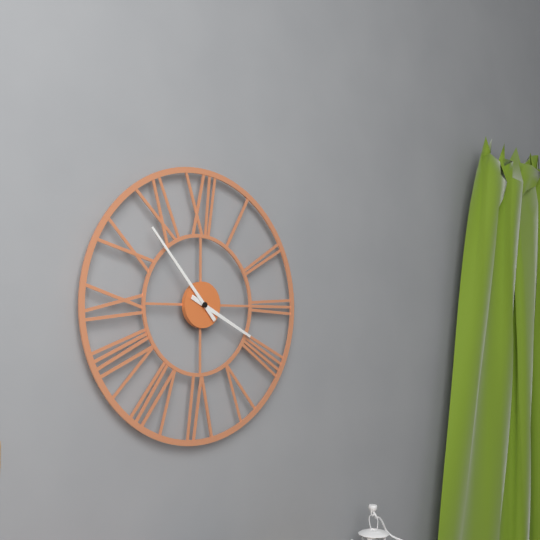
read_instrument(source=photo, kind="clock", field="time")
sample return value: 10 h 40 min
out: 3 h 53 min
